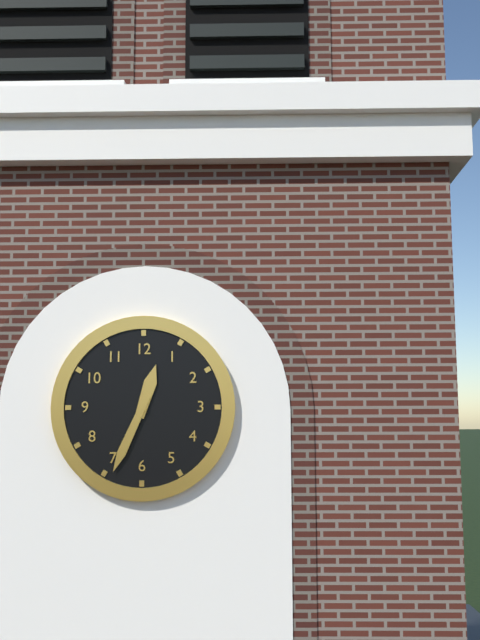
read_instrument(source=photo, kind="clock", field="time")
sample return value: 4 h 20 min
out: 12 h 34 min
